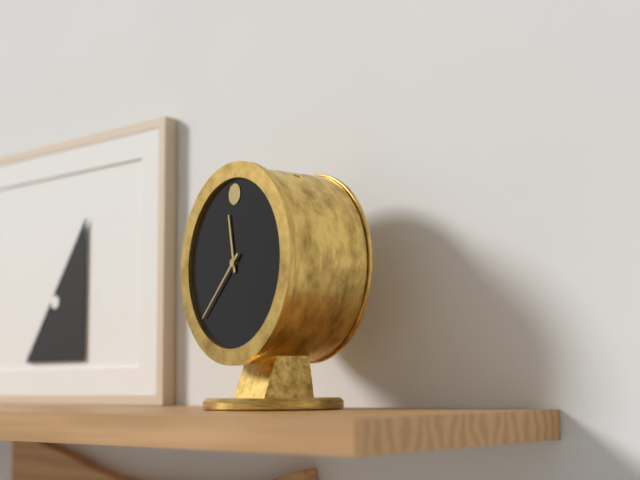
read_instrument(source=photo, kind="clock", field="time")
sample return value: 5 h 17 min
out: 11 h 38 min
